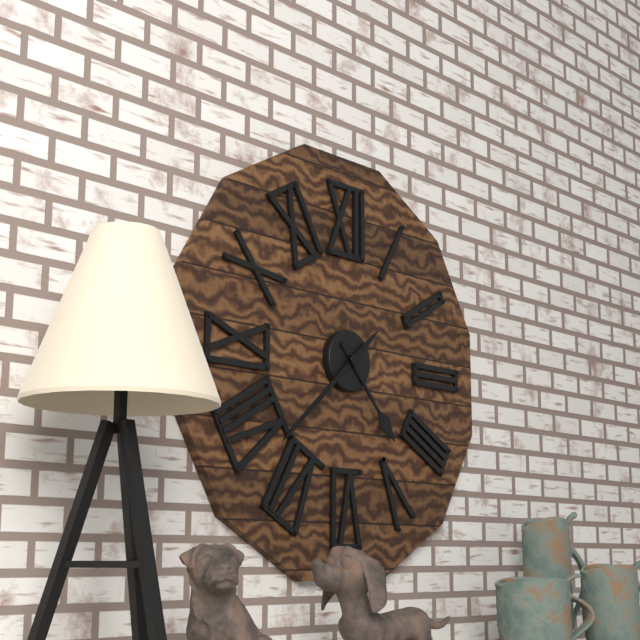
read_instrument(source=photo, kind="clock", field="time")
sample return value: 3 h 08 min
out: 4 h 38 min
